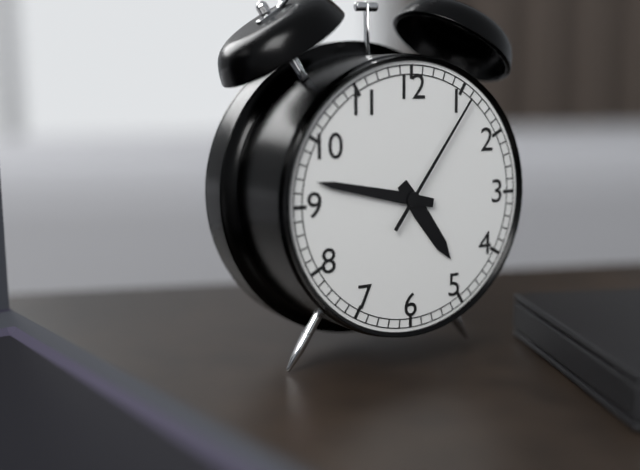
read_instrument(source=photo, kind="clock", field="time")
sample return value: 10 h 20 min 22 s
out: 4 h 47 min 06 s
